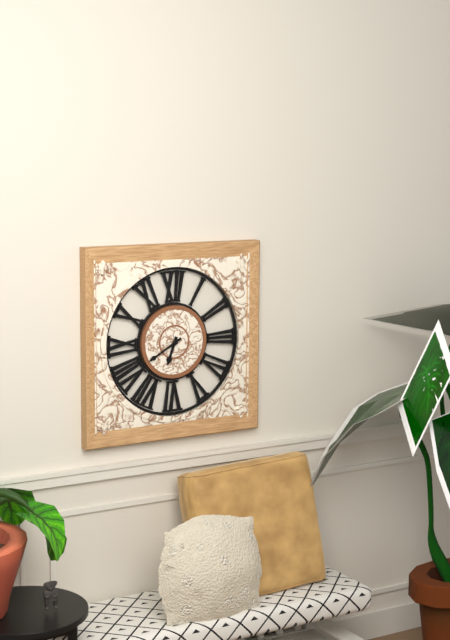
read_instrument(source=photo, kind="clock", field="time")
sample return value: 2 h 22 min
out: 6 h 40 min
